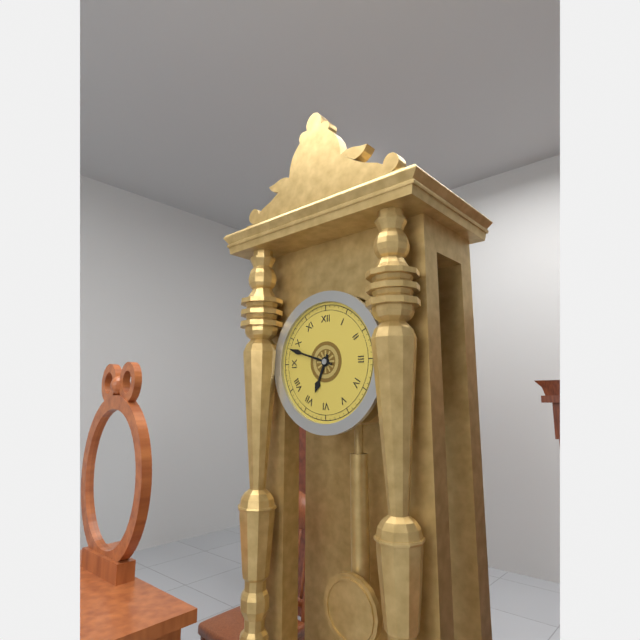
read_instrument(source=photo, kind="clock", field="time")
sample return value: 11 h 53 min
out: 6 h 48 min
